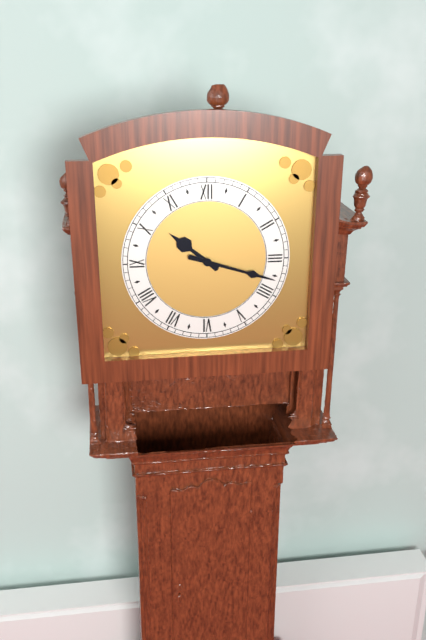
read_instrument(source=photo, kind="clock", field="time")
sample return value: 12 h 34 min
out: 10 h 18 min
